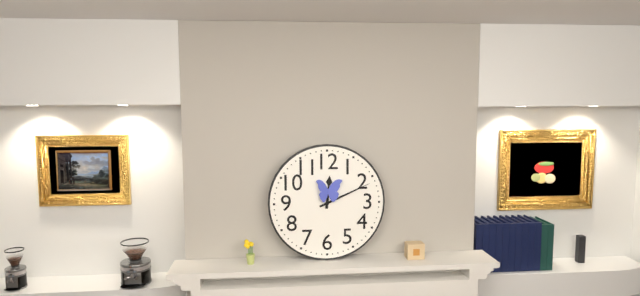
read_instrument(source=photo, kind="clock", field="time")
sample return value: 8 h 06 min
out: 12 h 11 min
